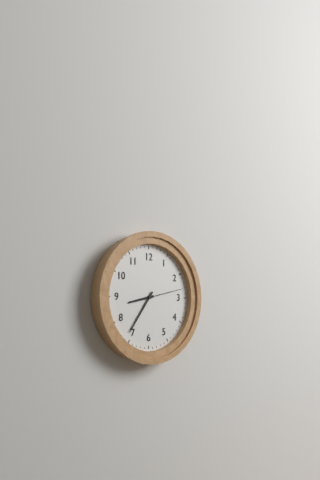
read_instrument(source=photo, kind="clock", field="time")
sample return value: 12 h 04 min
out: 8 h 36 min
